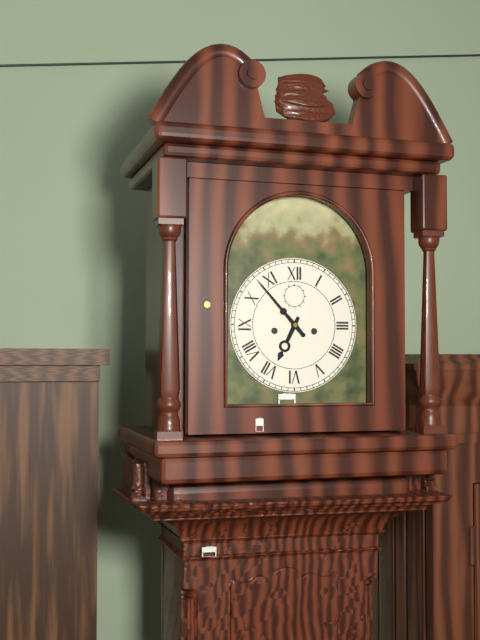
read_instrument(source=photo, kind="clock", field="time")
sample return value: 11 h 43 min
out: 6 h 53 min
